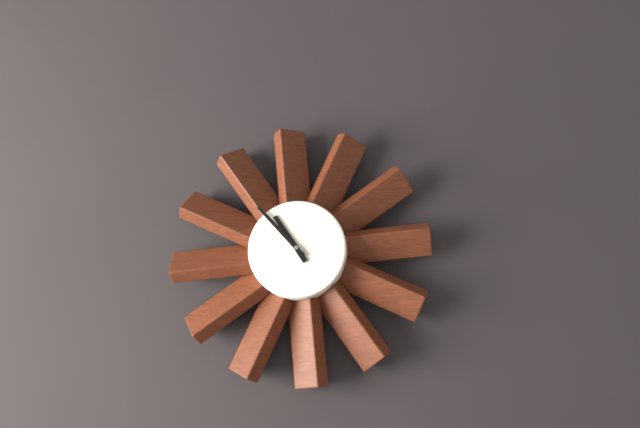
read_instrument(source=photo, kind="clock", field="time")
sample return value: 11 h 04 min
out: 10 h 53 min
